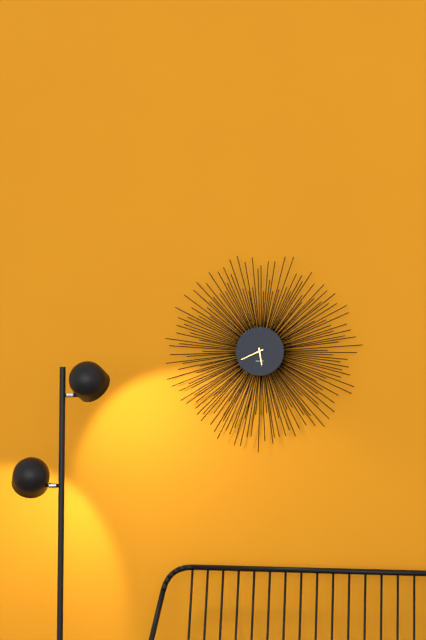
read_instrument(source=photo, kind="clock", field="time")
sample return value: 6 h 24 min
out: 5 h 41 min
